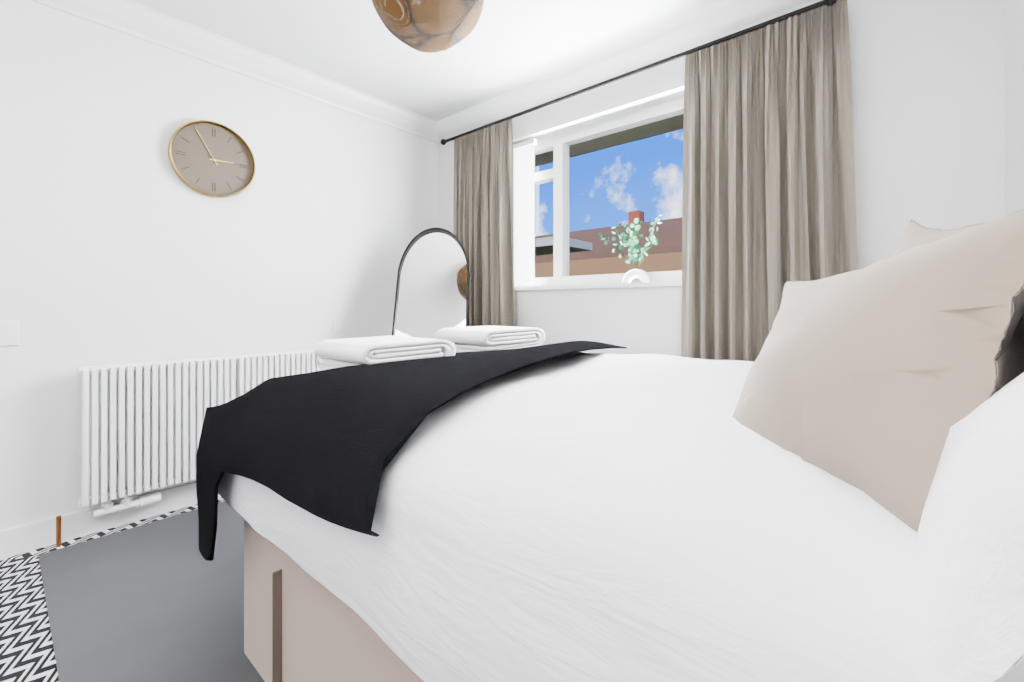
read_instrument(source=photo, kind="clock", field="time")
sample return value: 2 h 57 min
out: 2 h 55 min
